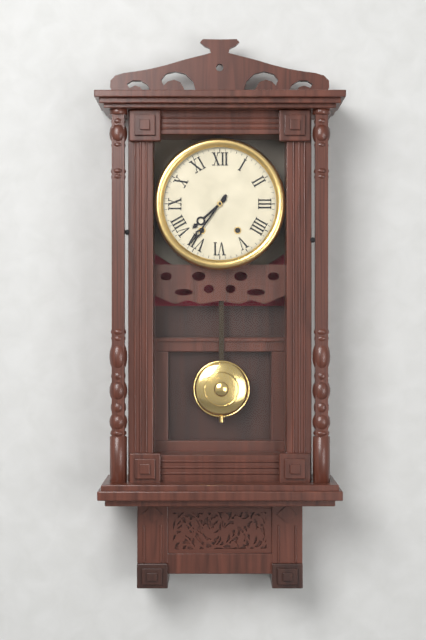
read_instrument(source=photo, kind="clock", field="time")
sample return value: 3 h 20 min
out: 7 h 36 min
